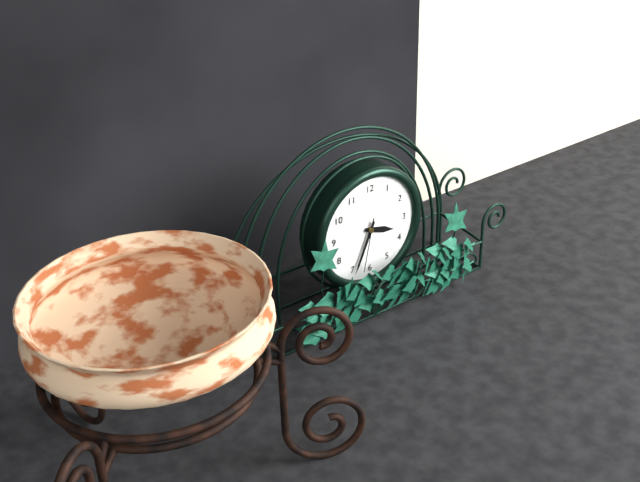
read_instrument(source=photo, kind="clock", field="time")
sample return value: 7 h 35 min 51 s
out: 3 h 34 min 32 s
